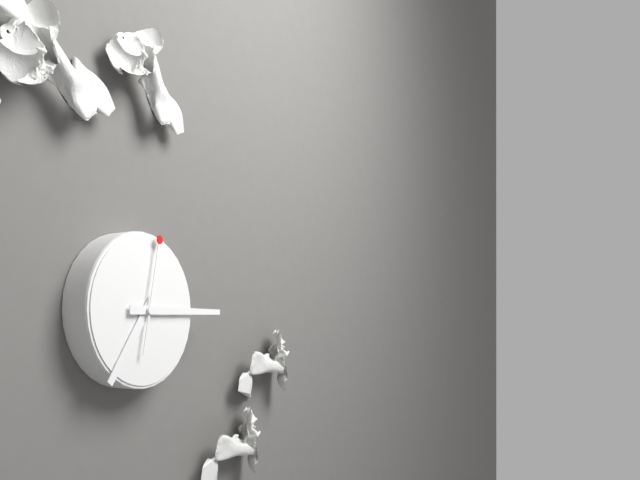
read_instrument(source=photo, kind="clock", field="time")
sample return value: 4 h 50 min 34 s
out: 7 h 15 min 02 s
